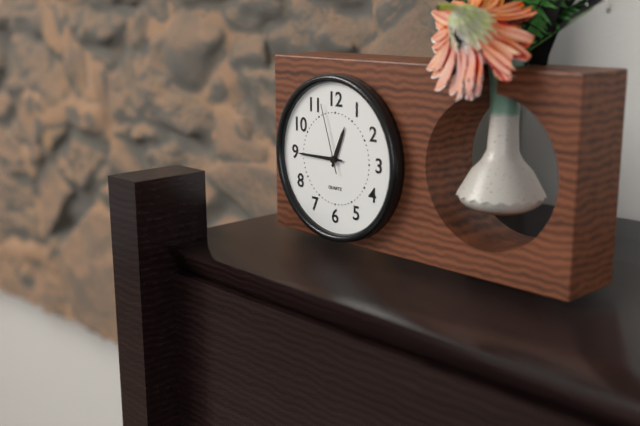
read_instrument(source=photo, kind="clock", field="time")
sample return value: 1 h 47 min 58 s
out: 12 h 45 min 57 s
